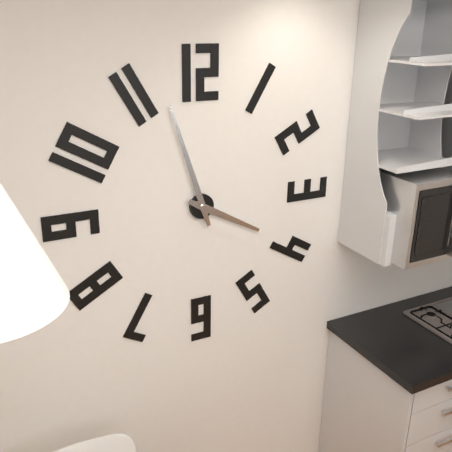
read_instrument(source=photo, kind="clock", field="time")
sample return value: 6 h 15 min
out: 3 h 57 min
